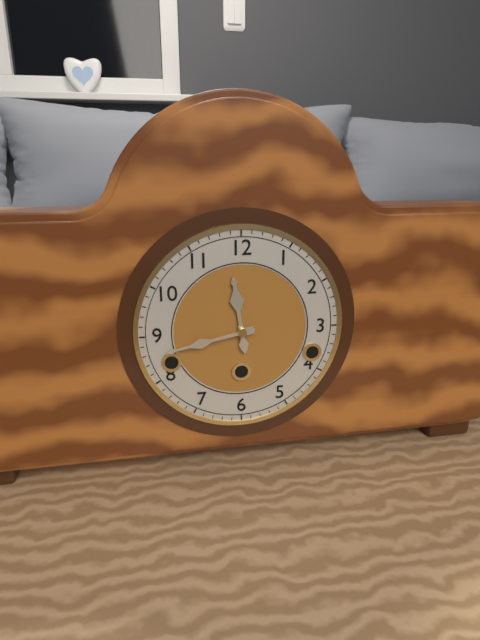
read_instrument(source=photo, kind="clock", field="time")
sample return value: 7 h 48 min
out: 11 h 43 min
